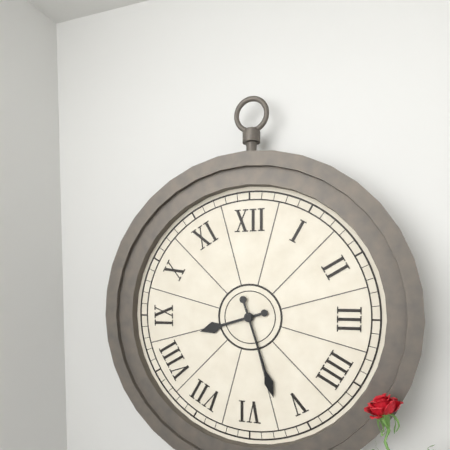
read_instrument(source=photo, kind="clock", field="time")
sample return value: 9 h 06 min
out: 8 h 27 min
